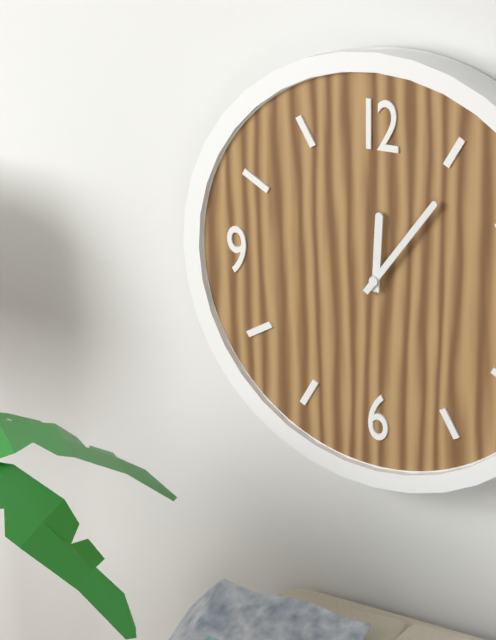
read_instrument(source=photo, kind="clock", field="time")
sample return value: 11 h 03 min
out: 12 h 06 min
